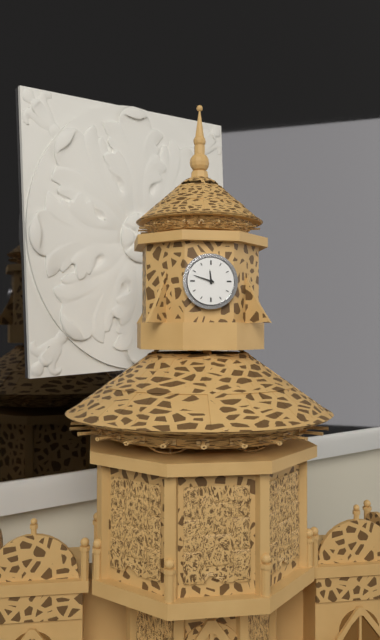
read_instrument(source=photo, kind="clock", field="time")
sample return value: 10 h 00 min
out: 11 h 48 min
